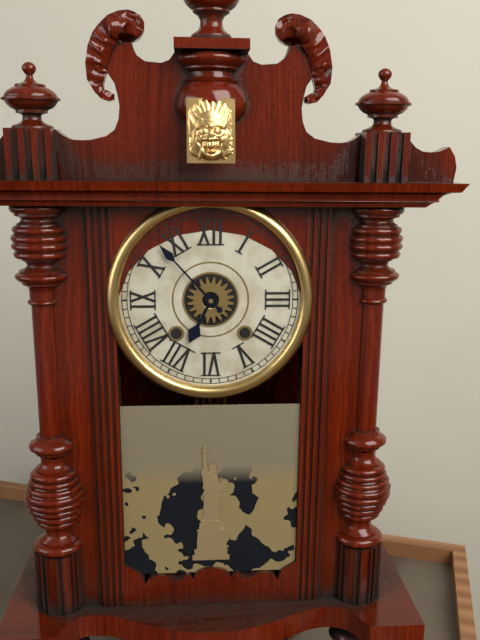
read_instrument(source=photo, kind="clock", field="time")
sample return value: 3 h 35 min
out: 6 h 53 min
